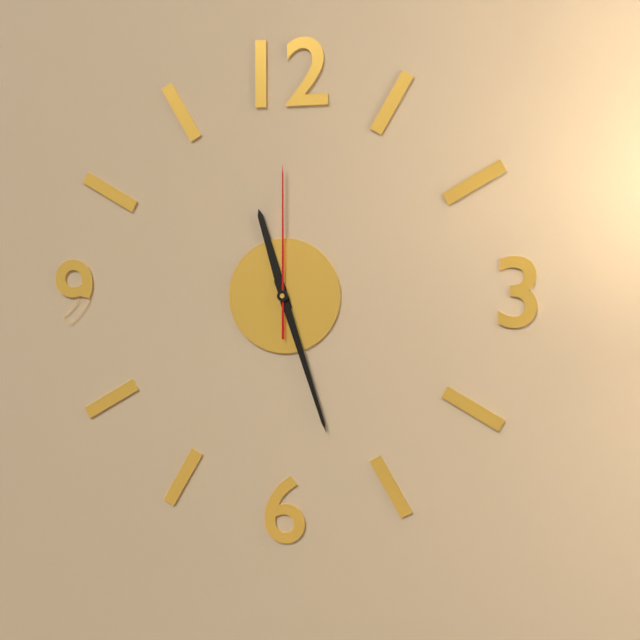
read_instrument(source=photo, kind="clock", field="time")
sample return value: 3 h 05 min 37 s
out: 11 h 27 min 00 s
